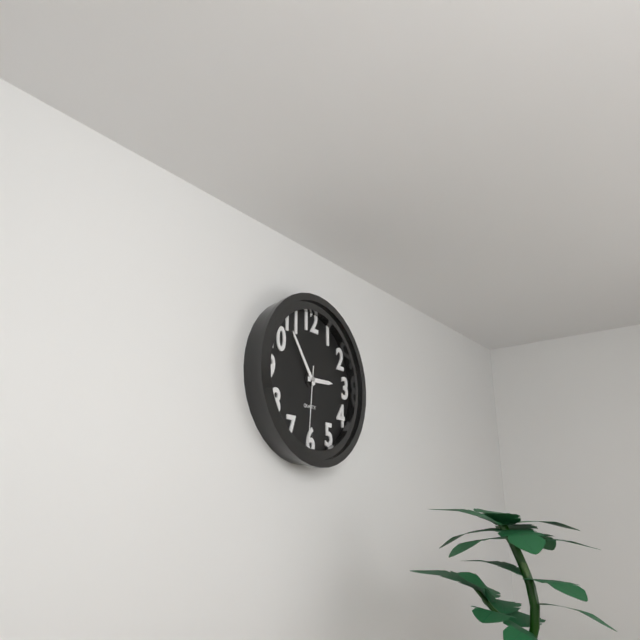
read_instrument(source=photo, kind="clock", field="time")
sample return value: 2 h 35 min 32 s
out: 2 h 54 min 31 s
